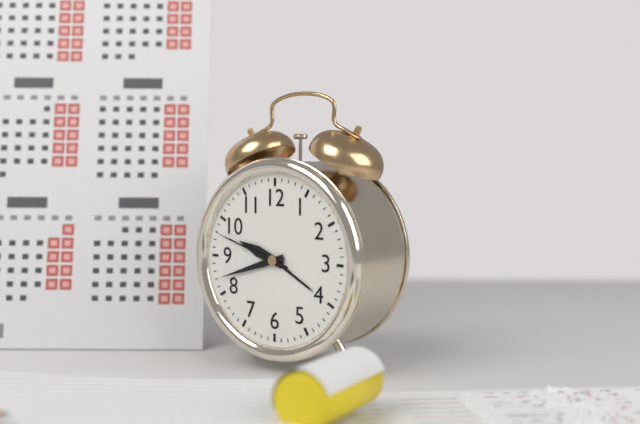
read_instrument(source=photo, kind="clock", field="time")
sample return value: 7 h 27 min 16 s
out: 9 h 42 min 48 s
